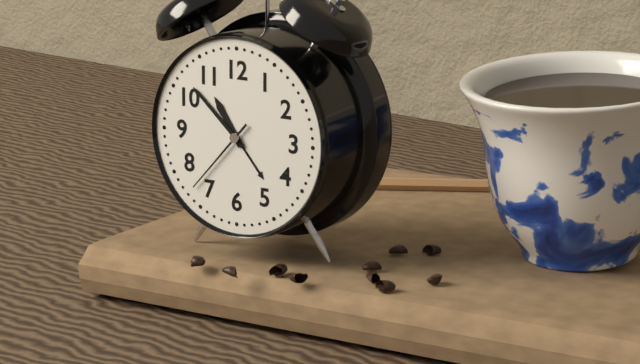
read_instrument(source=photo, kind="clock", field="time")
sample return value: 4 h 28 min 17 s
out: 10 h 52 min 37 s
